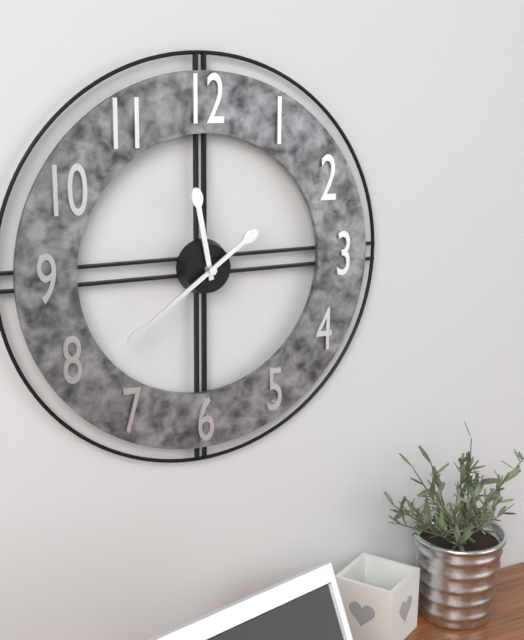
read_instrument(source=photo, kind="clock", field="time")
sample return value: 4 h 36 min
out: 11 h 39 min
